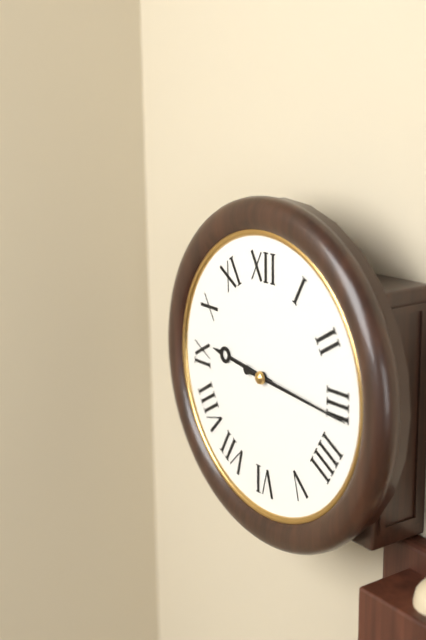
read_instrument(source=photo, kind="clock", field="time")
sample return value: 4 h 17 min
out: 9 h 16 min
